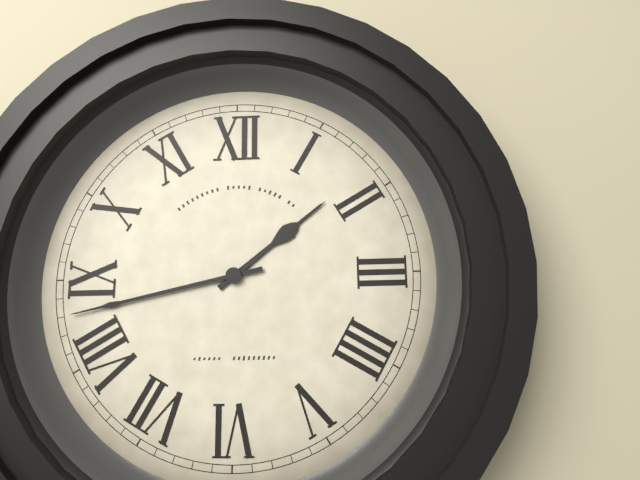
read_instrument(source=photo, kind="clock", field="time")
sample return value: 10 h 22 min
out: 1 h 43 min
